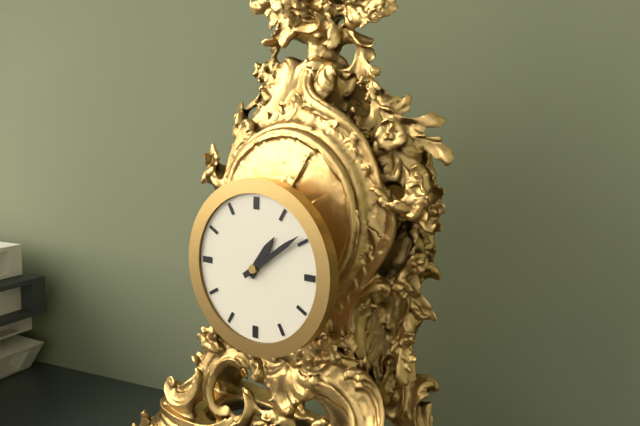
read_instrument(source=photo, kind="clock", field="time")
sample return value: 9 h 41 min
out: 1 h 09 min
